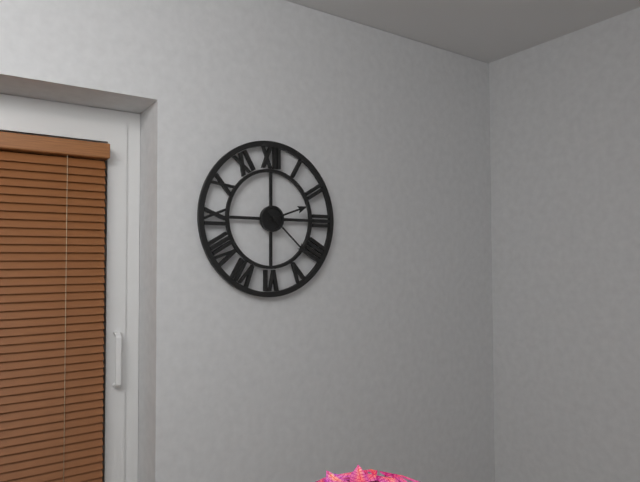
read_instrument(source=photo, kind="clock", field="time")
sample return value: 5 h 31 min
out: 2 h 22 min
